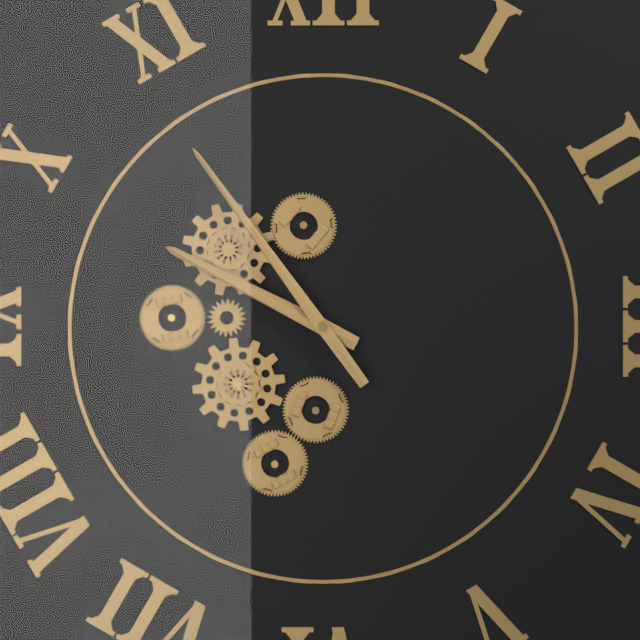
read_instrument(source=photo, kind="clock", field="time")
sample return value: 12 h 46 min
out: 9 h 54 min
